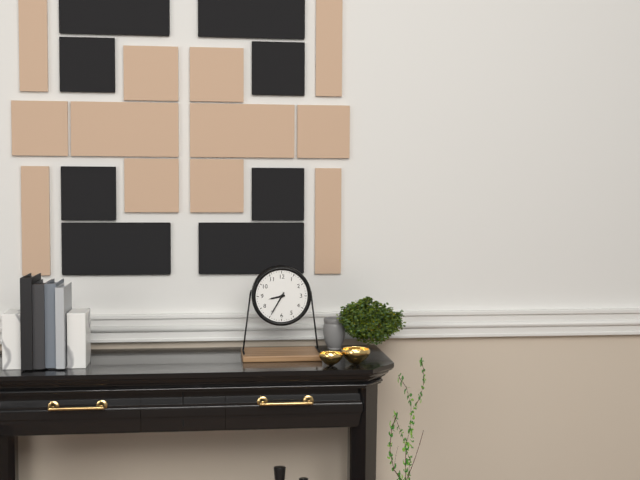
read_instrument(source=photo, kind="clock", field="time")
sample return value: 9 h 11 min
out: 8 h 35 min
